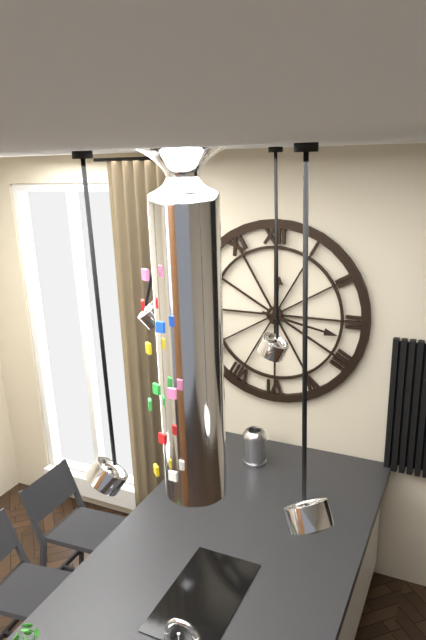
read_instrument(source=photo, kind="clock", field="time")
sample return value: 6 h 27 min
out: 12 h 17 min
